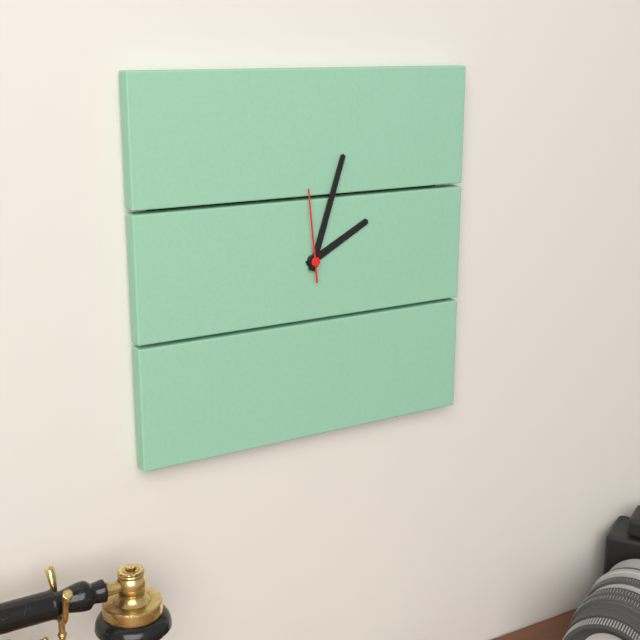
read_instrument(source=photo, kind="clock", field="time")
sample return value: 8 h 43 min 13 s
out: 2 h 03 min 59 s
